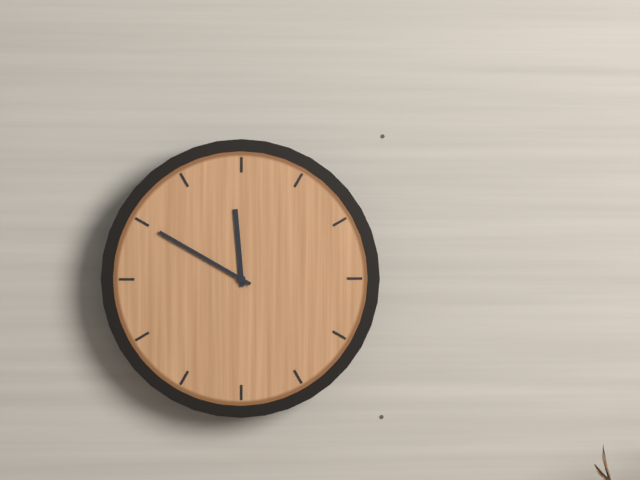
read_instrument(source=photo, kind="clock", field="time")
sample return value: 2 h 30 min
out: 11 h 50 min
